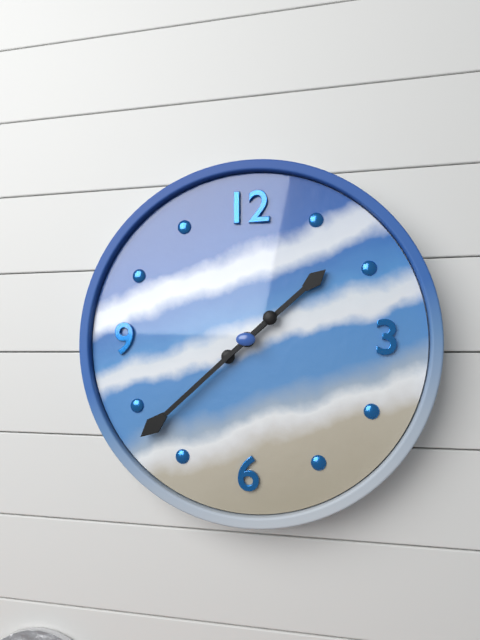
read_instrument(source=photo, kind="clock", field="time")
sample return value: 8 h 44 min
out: 1 h 38 min
